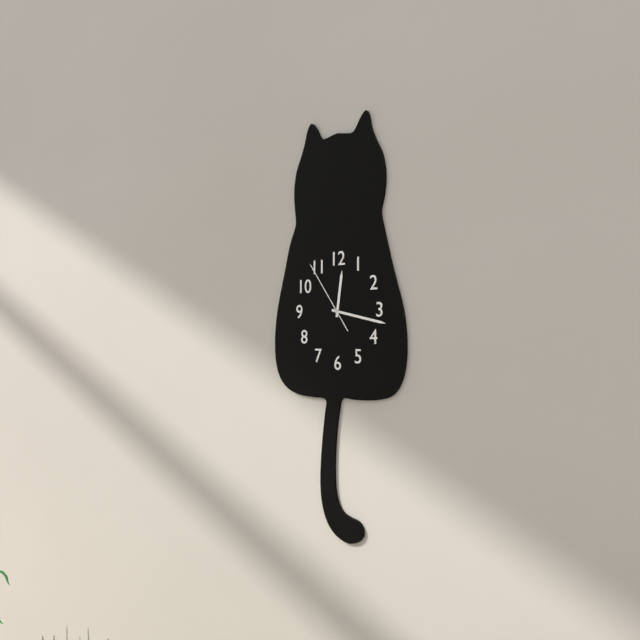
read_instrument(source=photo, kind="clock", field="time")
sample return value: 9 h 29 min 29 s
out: 12 h 17 min 54 s
